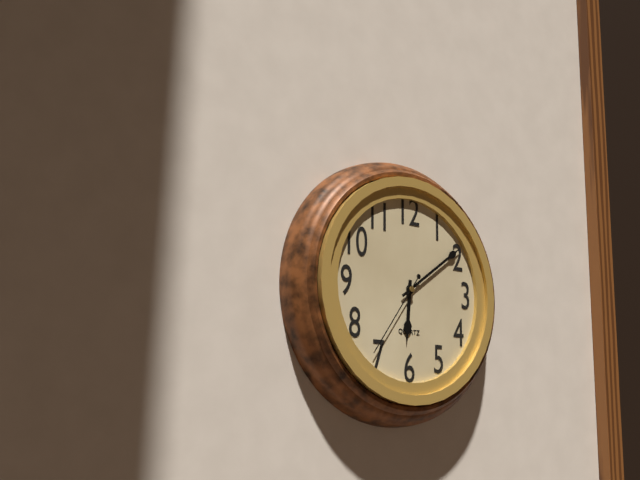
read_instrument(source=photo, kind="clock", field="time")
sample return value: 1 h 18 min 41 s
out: 6 h 09 min 36 s
